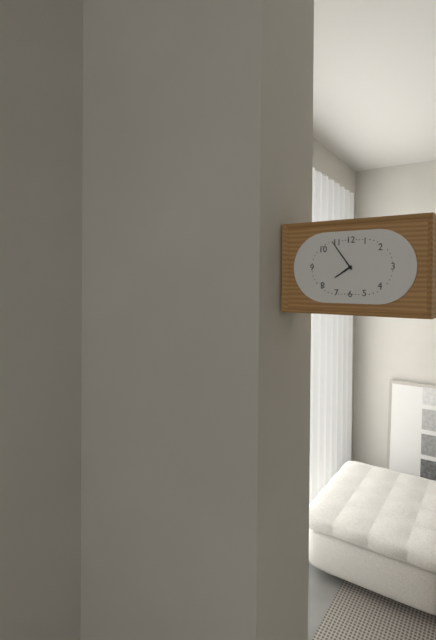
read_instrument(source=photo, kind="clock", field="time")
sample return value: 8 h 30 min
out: 7 h 54 min
